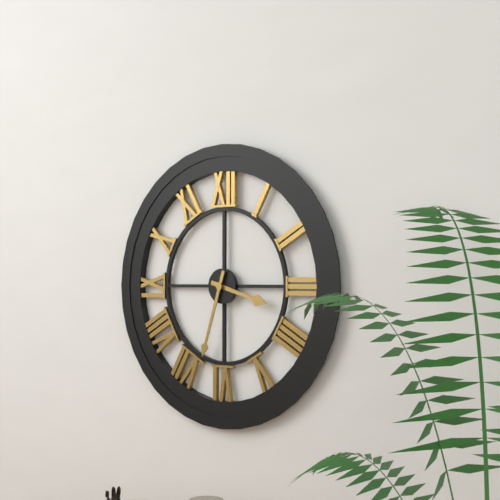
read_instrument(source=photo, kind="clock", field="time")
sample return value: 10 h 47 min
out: 3 h 33 min
